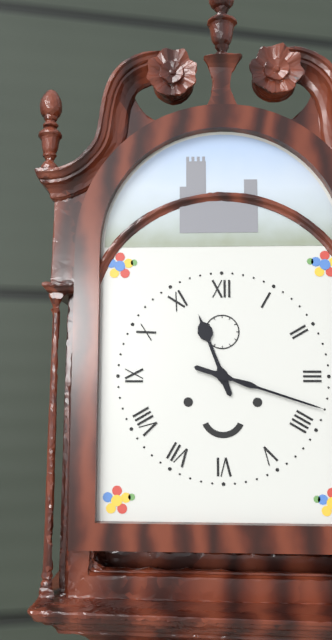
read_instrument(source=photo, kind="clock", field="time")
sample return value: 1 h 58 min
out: 11 h 18 min
